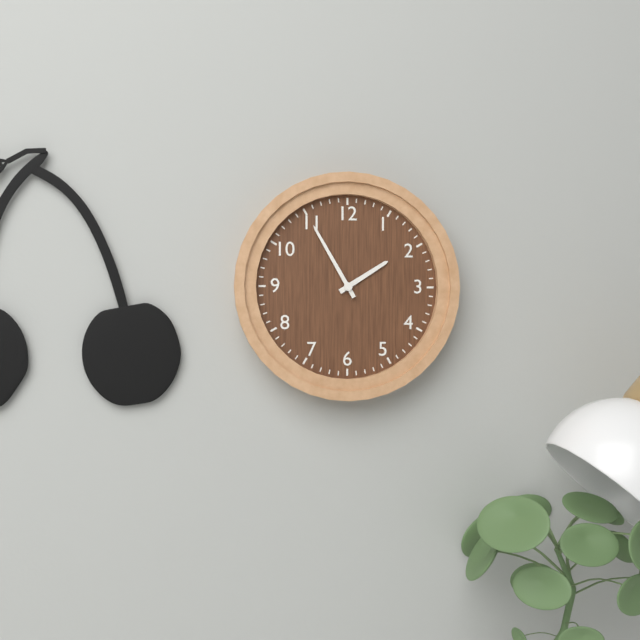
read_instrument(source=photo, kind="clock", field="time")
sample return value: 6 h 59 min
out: 1 h 55 min
